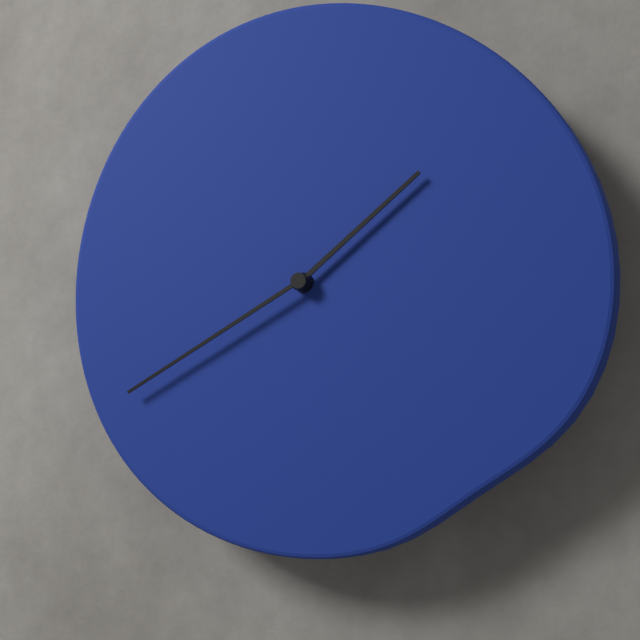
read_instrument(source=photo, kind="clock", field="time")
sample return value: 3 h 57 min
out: 1 h 40 min
